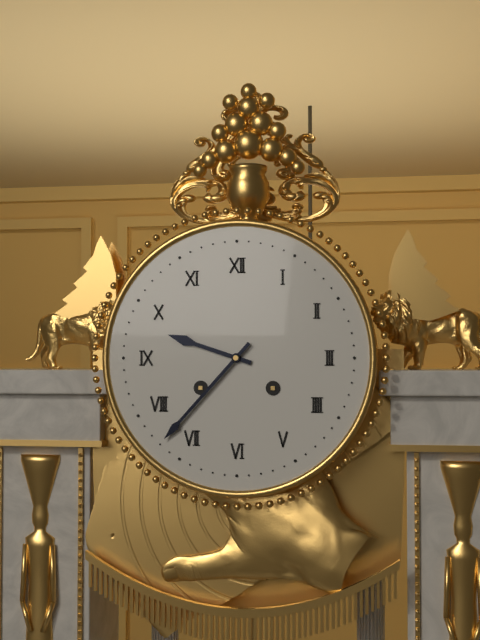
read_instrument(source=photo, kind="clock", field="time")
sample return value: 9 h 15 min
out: 9 h 37 min
